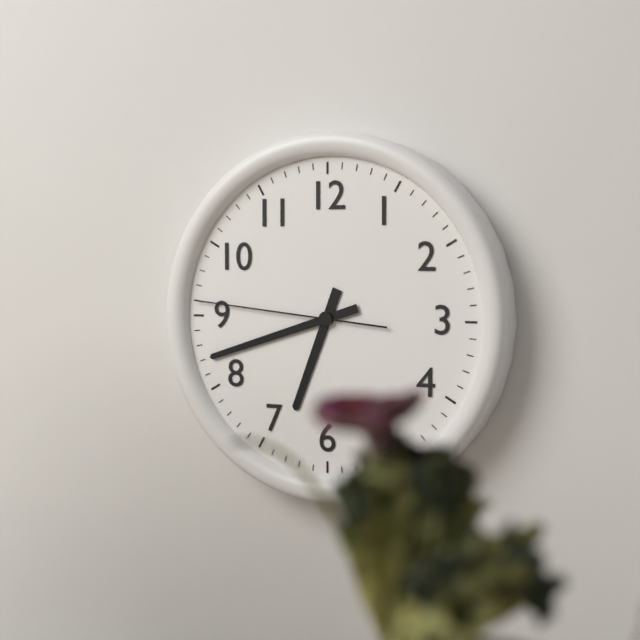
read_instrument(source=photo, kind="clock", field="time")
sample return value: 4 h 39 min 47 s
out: 6 h 42 min 46 s
